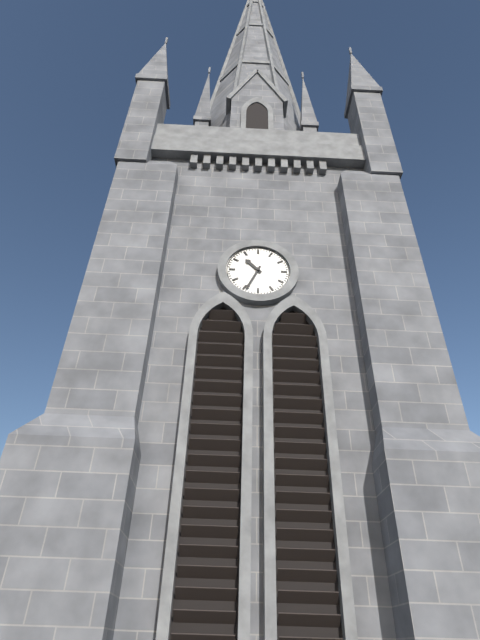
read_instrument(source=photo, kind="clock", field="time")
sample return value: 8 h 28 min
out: 10 h 34 min
